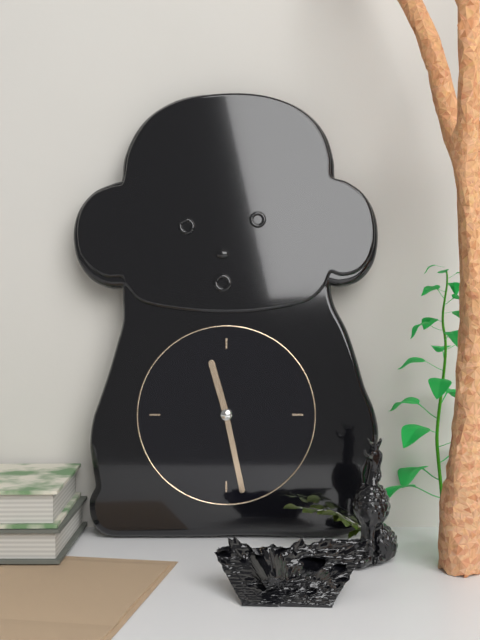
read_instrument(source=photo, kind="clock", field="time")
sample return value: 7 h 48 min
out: 11 h 28 min
